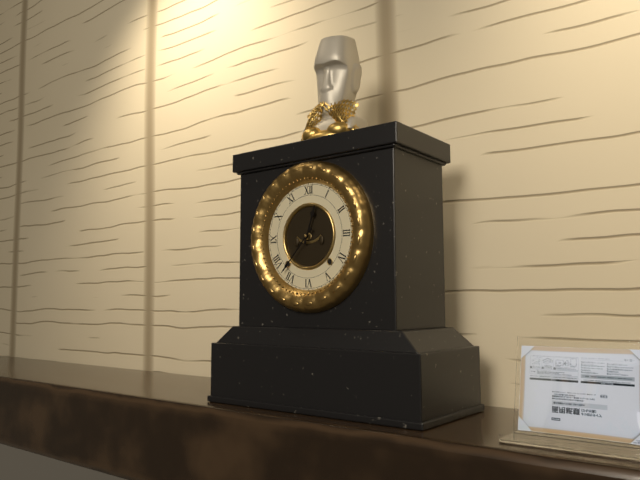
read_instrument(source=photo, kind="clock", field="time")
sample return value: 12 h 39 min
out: 12 h 37 min
